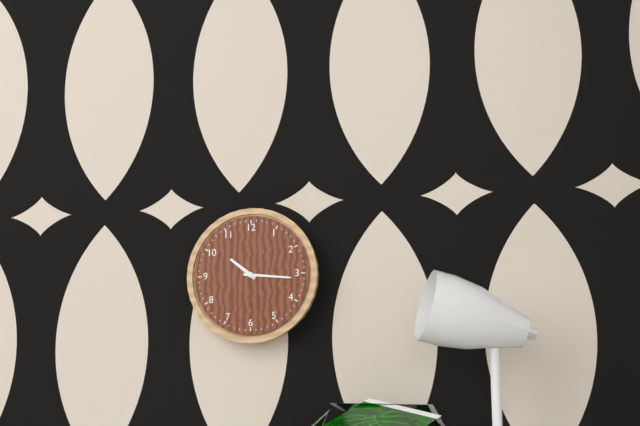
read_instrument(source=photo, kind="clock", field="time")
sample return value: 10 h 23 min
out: 10 h 16 min
